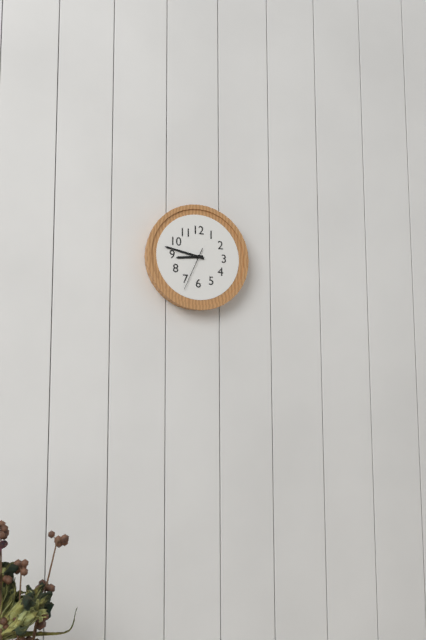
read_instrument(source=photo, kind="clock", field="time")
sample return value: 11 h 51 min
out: 8 h 47 min
